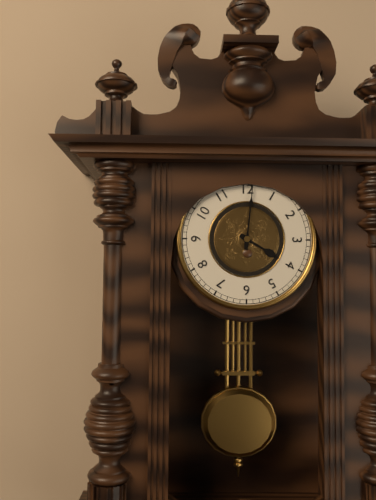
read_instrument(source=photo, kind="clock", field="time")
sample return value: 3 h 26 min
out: 4 h 01 min
